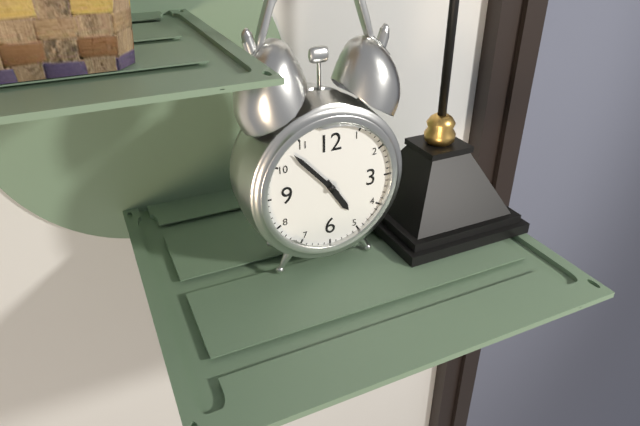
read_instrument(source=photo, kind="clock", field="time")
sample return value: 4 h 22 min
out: 4 h 53 min
